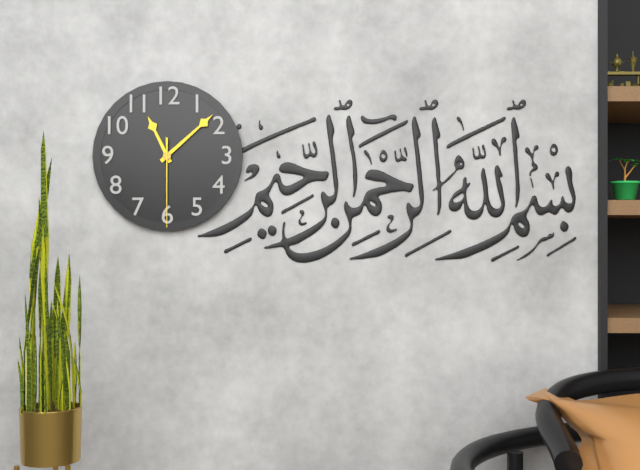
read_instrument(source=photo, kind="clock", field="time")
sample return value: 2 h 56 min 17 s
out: 11 h 08 min 30 s
